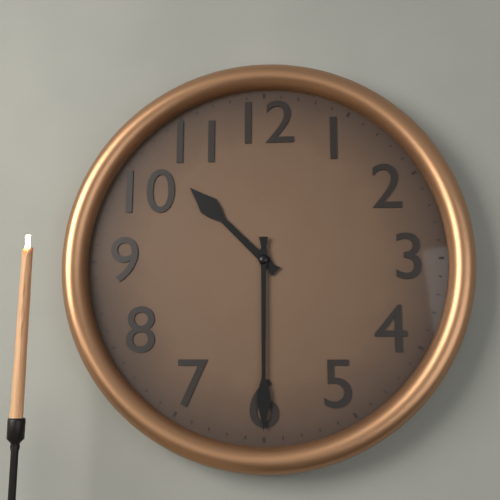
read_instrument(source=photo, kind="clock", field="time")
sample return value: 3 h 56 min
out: 10 h 30 min
